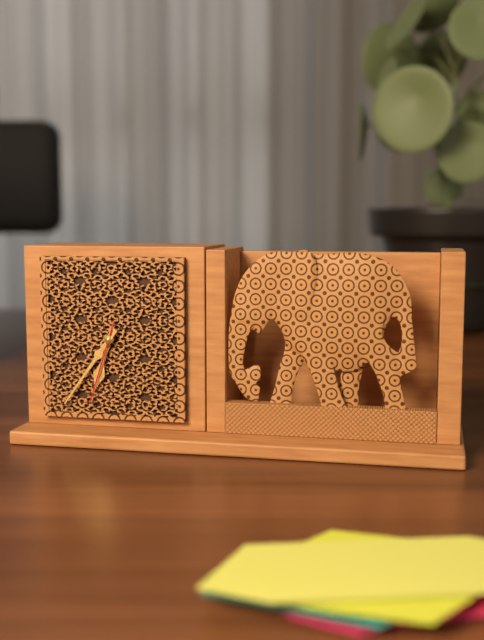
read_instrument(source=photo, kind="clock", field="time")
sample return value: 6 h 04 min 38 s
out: 6 h 36 min 33 s
